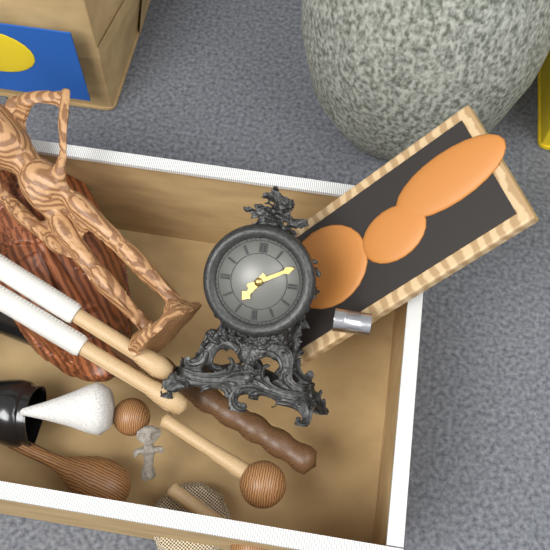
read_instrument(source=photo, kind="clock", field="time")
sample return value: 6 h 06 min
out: 7 h 10 min
